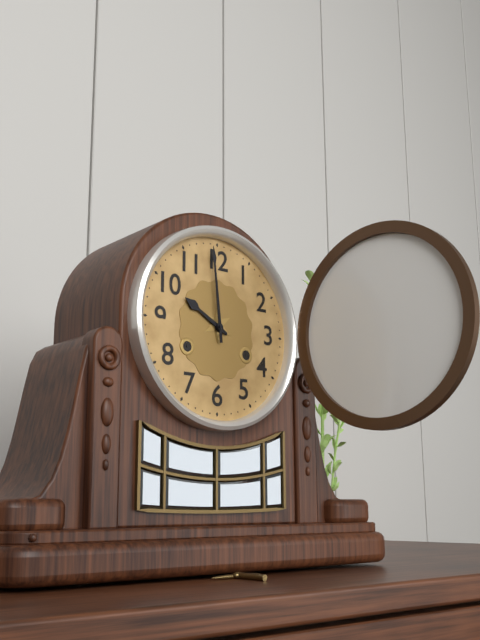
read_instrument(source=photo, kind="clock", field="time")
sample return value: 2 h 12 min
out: 9 h 59 min
